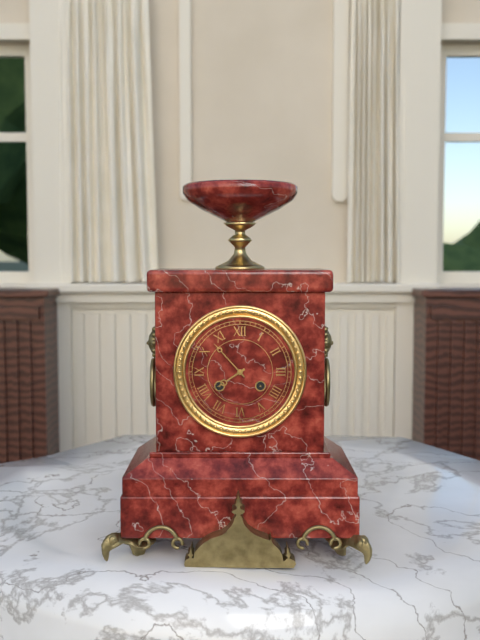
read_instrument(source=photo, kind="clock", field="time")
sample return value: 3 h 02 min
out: 7 h 53 min
